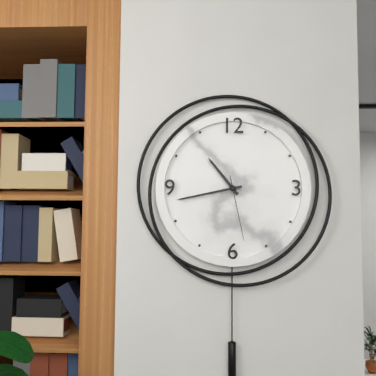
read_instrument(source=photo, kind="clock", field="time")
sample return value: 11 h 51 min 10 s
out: 10 h 43 min 28 s
